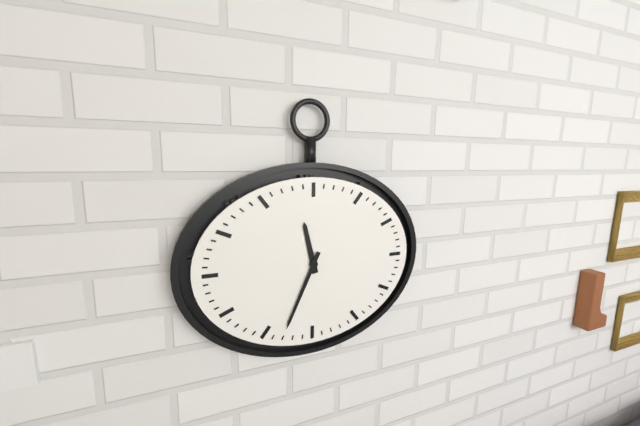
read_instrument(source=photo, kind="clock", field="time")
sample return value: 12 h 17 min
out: 11 h 34 min
